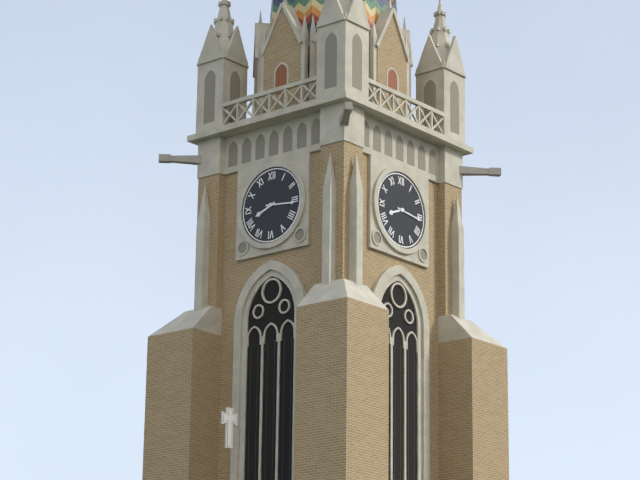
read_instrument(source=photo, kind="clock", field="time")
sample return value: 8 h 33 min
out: 8 h 16 min
